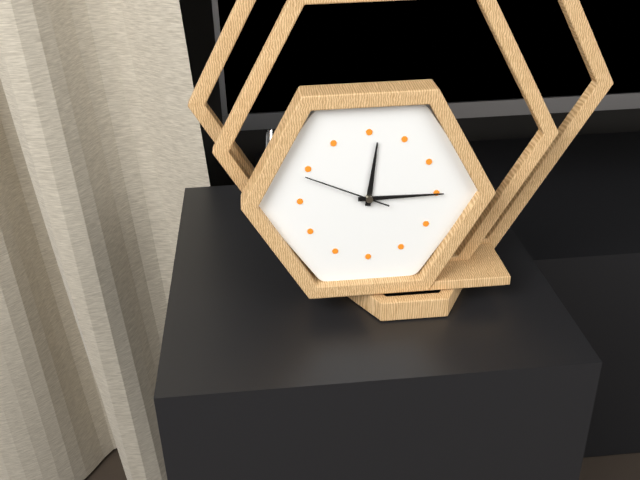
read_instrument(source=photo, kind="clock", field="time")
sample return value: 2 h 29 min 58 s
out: 12 h 15 min 49 s
